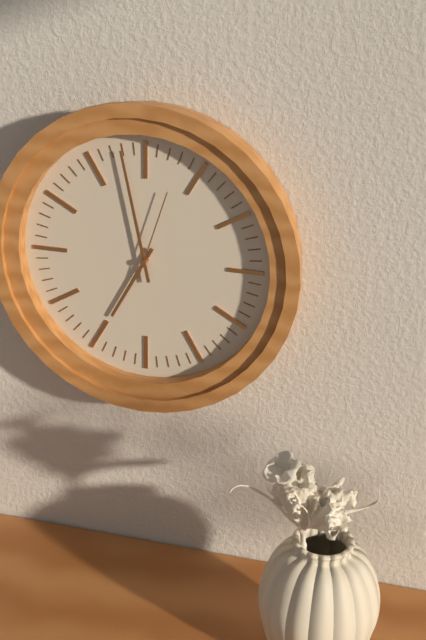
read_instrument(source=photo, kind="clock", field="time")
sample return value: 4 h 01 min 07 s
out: 6 h 58 min 03 s
